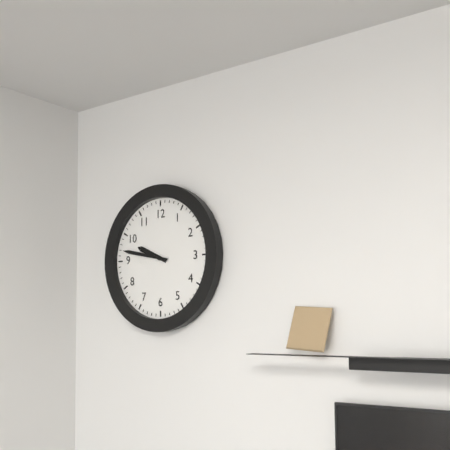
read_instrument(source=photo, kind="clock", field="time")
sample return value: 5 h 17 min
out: 9 h 47 min
